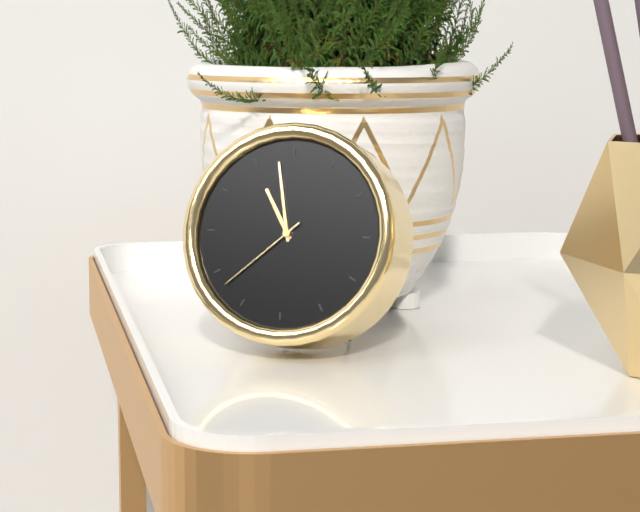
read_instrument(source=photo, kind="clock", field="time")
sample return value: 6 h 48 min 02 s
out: 10 h 58 min 38 s
